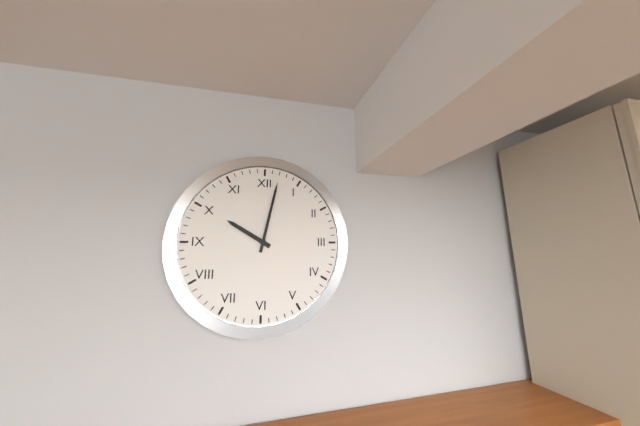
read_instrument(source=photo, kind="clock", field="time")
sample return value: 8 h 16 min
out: 10 h 02 min
